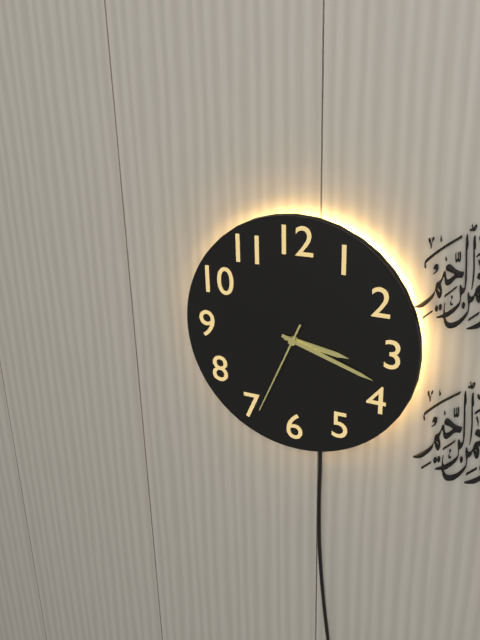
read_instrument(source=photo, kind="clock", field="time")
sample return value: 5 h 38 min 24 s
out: 3 h 18 min 34 s
